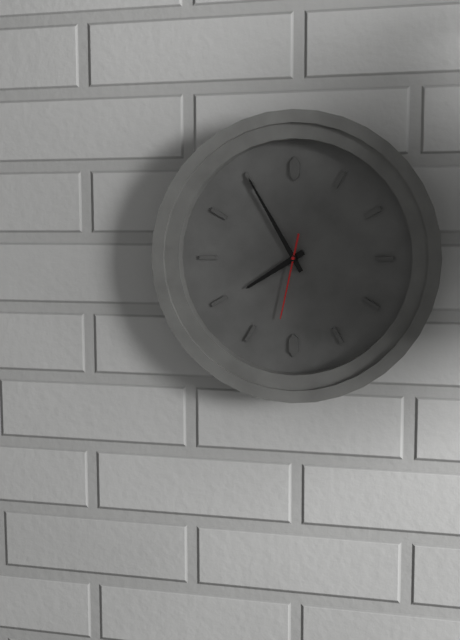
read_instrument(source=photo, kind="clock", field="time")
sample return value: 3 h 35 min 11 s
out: 7 h 55 min 32 s
